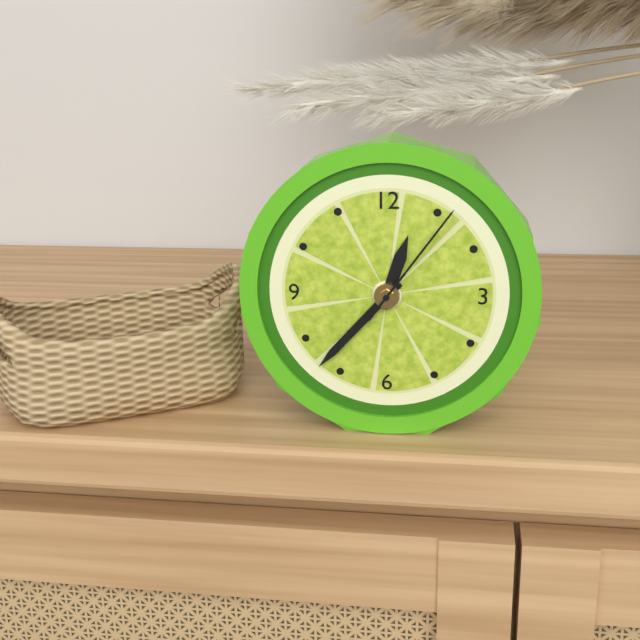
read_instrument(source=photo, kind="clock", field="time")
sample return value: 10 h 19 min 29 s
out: 12 h 37 min 06 s
